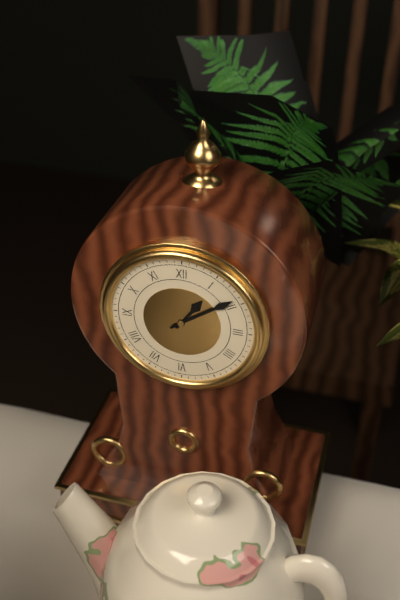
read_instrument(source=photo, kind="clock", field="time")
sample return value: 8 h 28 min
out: 1 h 09 min
